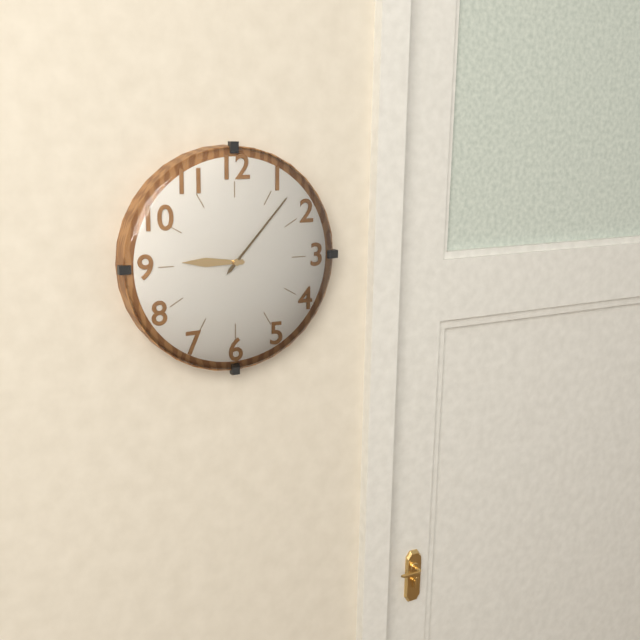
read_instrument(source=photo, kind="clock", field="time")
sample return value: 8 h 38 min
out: 9 h 07 min
